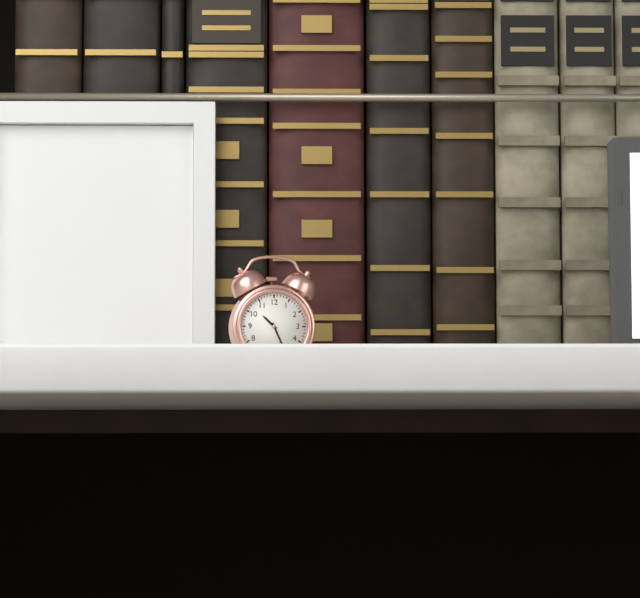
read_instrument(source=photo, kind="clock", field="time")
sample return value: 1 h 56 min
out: 10 h 26 min
